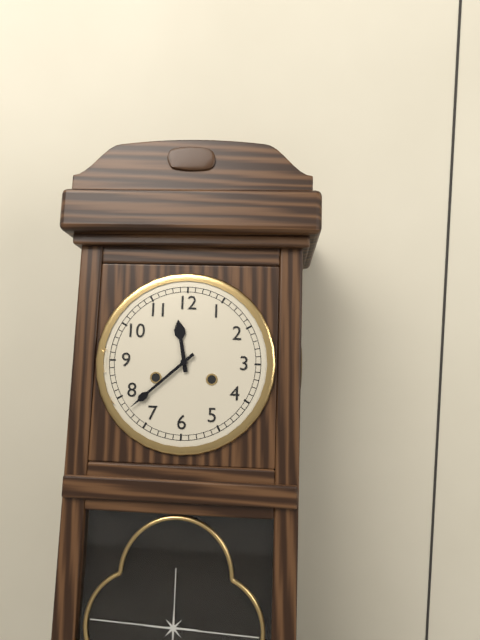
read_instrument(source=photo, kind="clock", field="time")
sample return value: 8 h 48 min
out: 11 h 38 min
